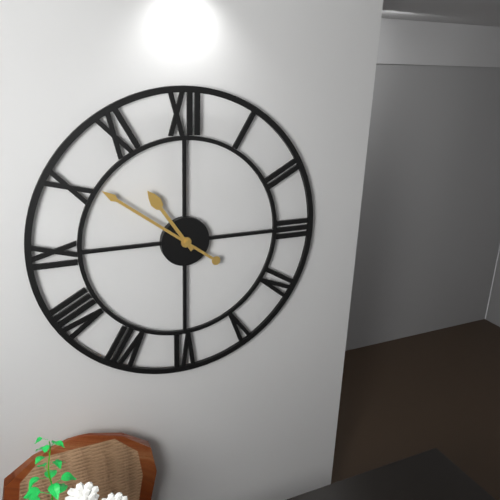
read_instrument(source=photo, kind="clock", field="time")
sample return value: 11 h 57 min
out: 10 h 51 min
